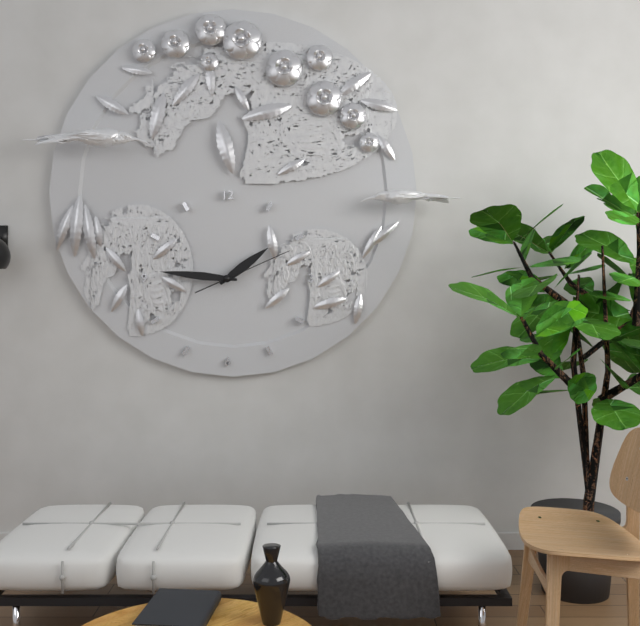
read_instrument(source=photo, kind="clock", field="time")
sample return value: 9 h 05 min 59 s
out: 1 h 46 min 11 s
